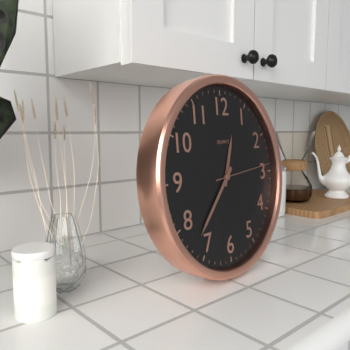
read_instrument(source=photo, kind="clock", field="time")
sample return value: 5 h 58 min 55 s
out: 12 h 37 min 14 s
